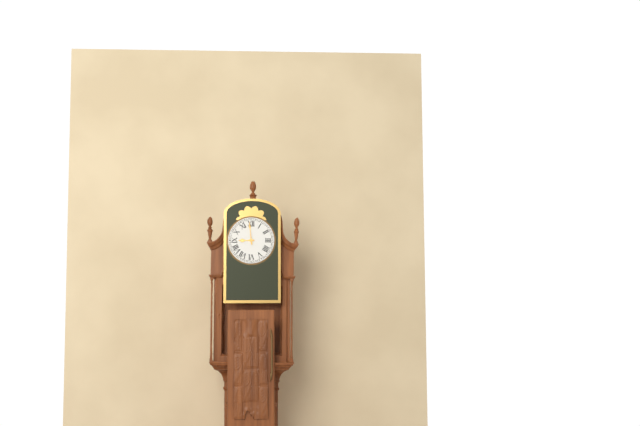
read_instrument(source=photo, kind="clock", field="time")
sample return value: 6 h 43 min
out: 8 h 59 min
